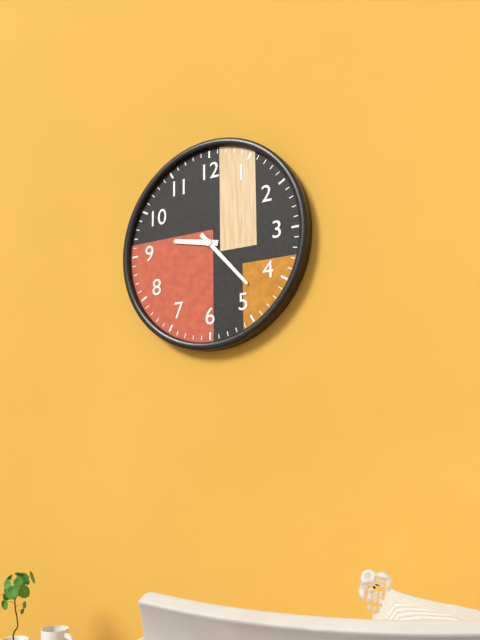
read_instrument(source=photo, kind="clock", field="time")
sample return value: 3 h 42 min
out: 9 h 23 min
